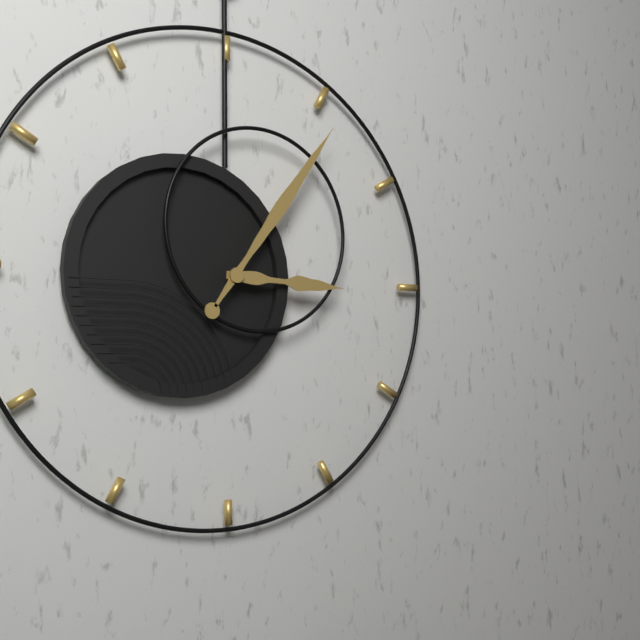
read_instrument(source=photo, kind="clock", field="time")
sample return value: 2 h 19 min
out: 3 h 06 min
